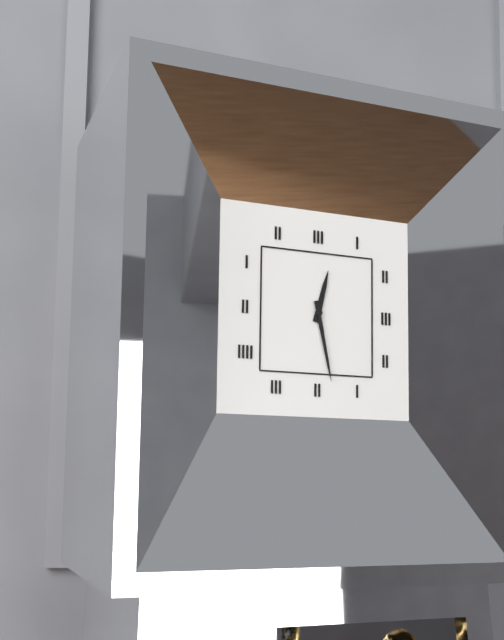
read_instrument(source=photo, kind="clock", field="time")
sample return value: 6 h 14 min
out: 12 h 28 min
